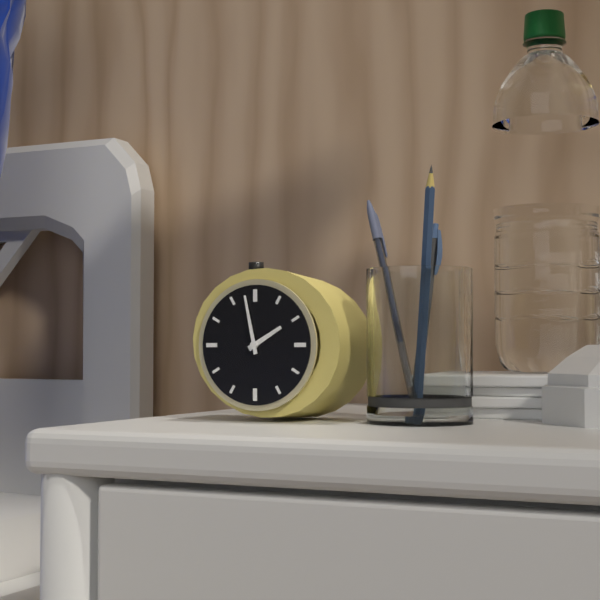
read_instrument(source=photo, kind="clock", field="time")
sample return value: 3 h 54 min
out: 1 h 58 min
